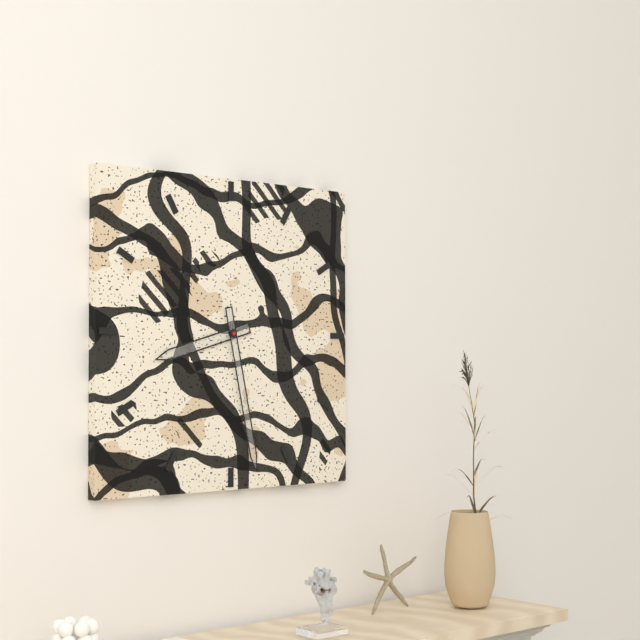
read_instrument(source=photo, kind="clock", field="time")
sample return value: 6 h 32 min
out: 8 h 28 min
